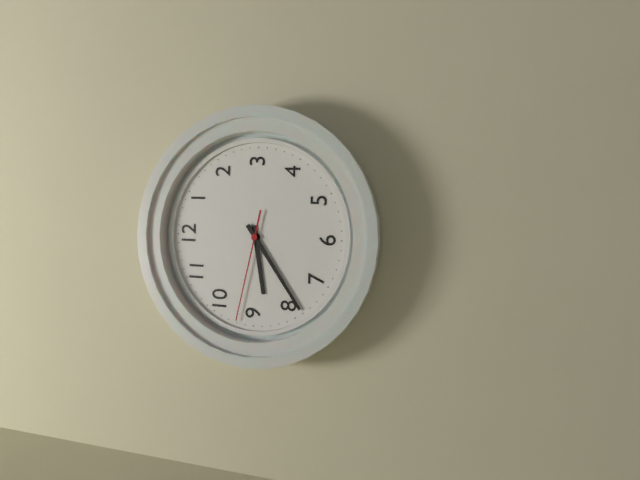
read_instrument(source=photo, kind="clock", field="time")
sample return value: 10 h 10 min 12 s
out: 8 h 39 min 47 s
